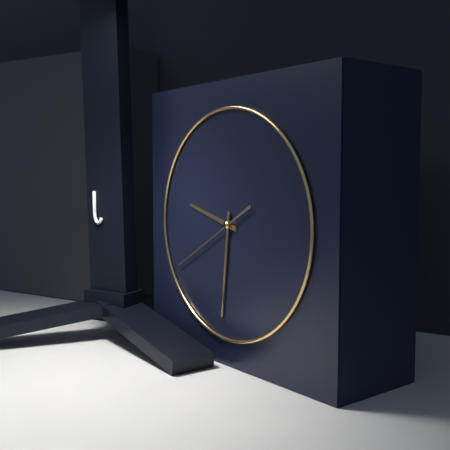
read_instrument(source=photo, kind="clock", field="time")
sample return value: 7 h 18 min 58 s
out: 9 h 31 min 40 s
